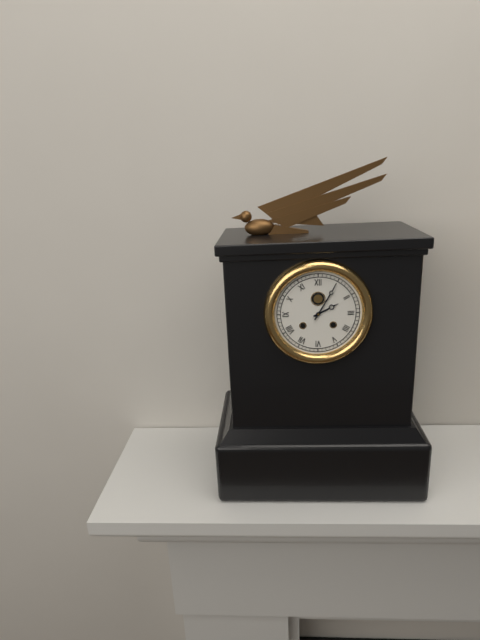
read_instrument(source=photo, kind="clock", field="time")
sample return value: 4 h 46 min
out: 2 h 05 min
